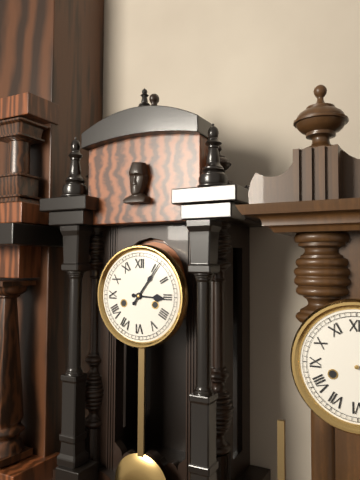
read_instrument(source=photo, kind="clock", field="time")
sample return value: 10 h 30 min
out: 3 h 06 min
